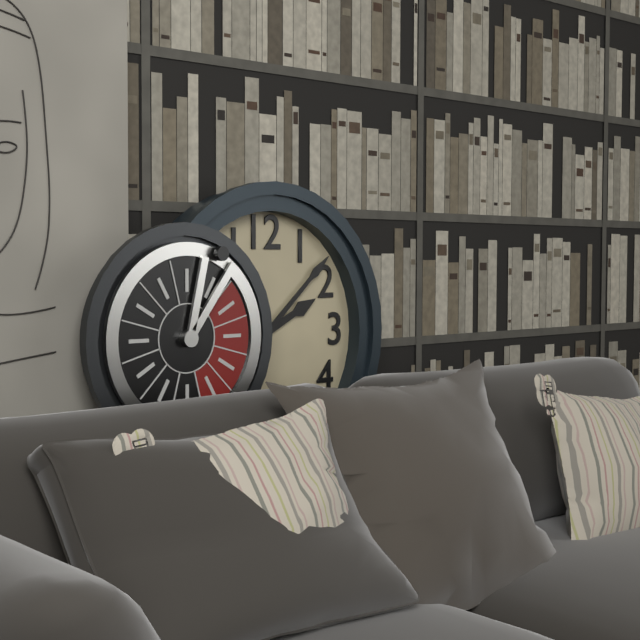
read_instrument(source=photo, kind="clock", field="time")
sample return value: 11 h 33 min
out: 2 h 08 min
